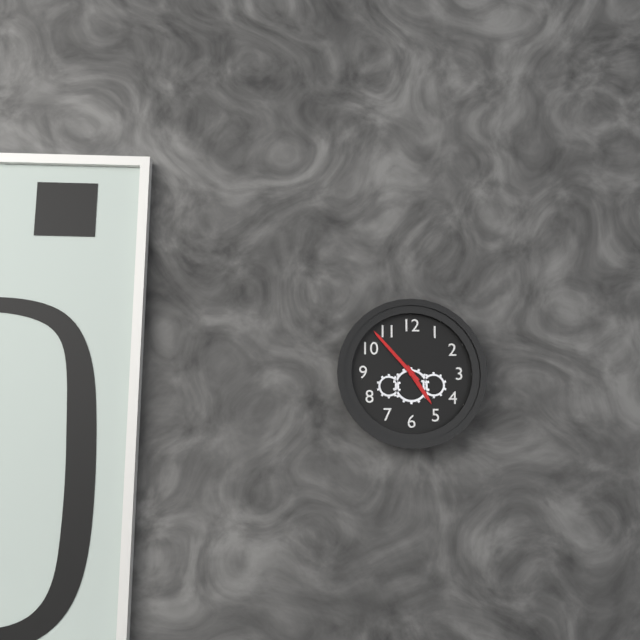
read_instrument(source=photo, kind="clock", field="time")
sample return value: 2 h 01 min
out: 4 h 53 min
